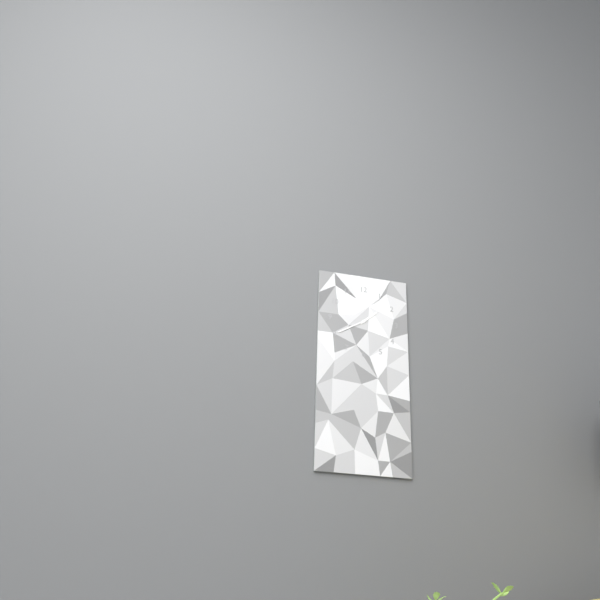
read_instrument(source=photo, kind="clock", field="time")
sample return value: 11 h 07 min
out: 1 h 40 min
